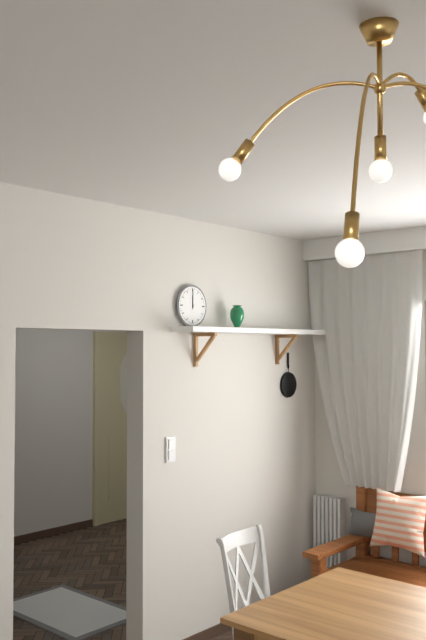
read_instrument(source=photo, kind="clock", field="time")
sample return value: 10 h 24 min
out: 12 h 00 min
